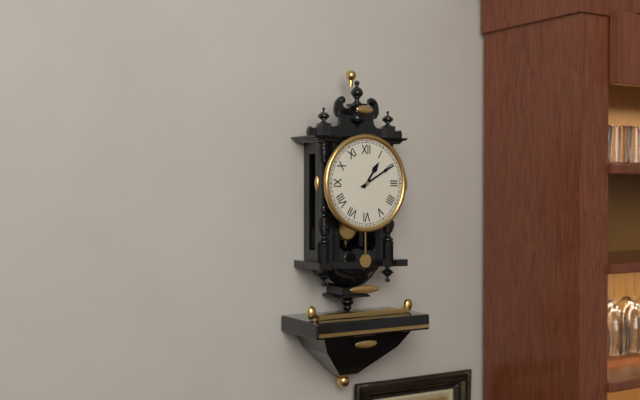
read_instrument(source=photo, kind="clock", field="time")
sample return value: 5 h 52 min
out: 1 h 10 min
